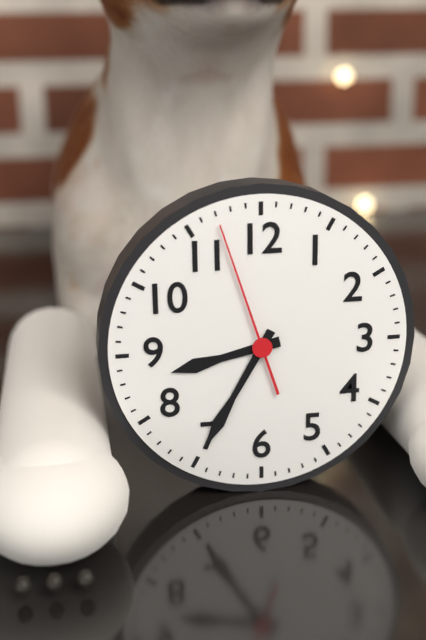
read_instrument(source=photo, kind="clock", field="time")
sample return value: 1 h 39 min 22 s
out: 8 h 35 min 57 s
